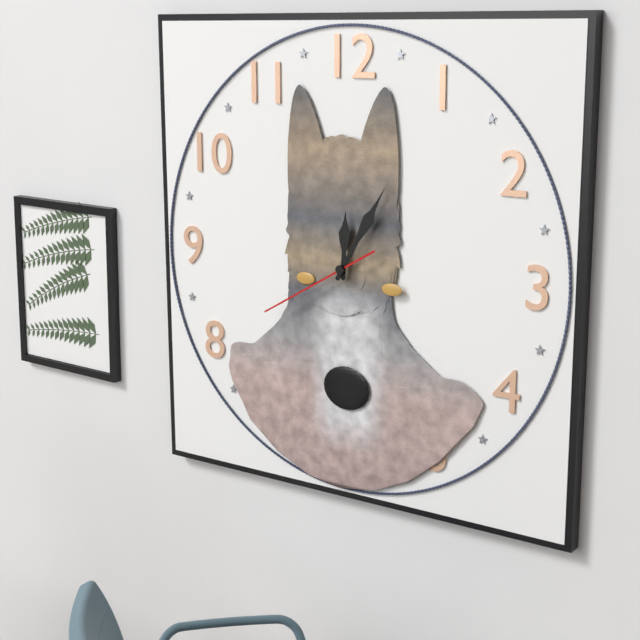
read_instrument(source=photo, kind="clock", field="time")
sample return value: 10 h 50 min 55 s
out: 12 h 05 min 40 s
